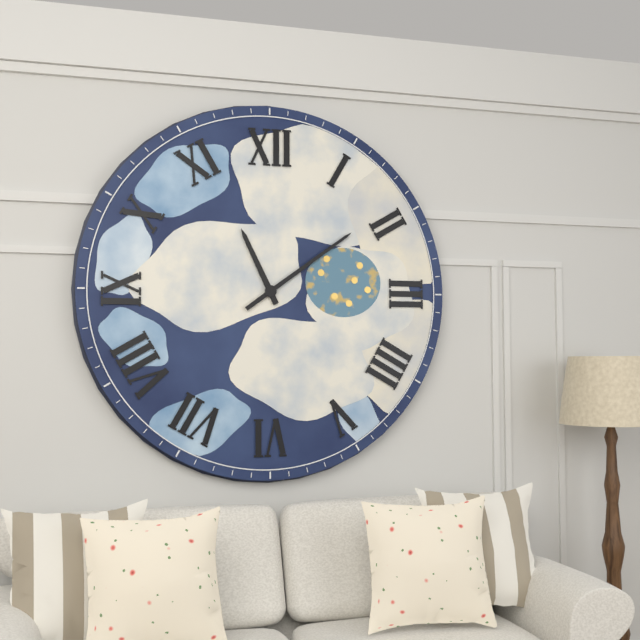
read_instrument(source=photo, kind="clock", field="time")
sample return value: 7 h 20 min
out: 11 h 09 min
